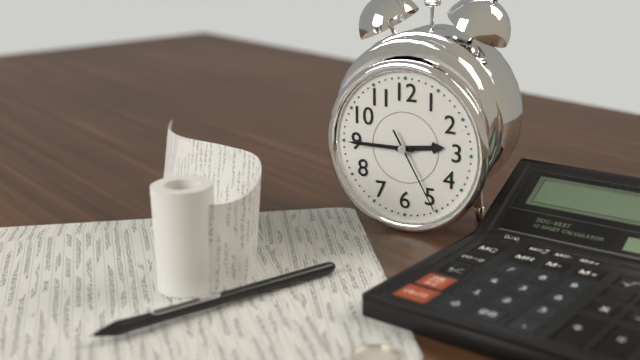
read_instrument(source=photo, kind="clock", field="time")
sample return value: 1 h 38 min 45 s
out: 2 h 45 min 25 s
